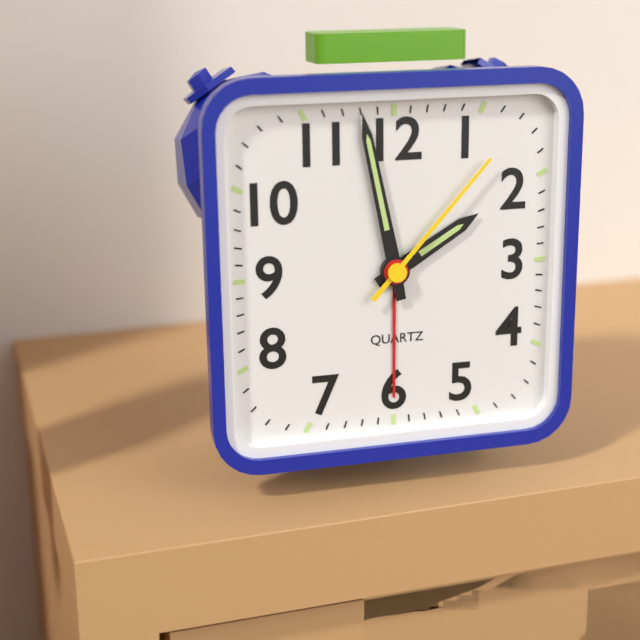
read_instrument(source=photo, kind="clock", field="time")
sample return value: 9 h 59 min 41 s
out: 1 h 58 min 07 s
